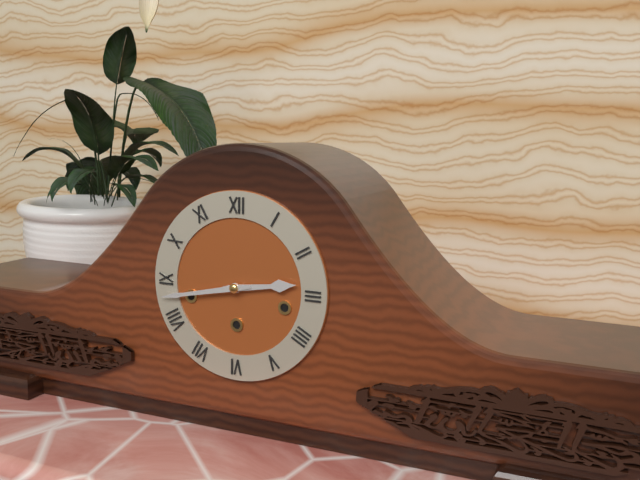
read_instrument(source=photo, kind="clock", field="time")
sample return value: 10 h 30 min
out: 2 h 43 min
